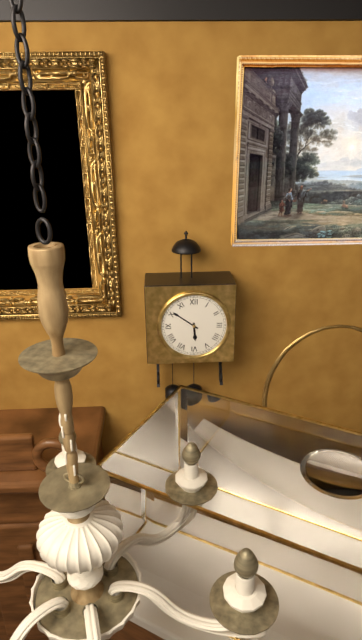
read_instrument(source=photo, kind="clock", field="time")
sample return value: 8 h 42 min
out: 5 h 51 min
